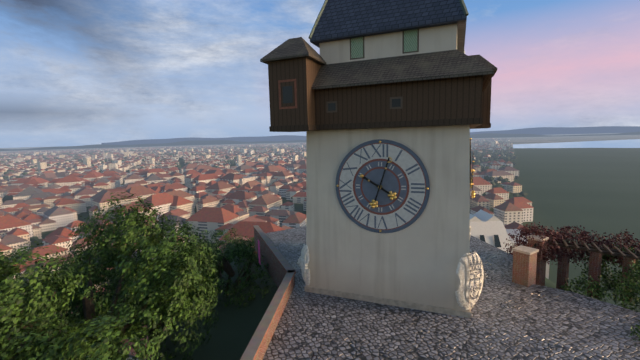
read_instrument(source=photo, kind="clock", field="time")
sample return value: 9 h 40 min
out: 10 h 03 min
